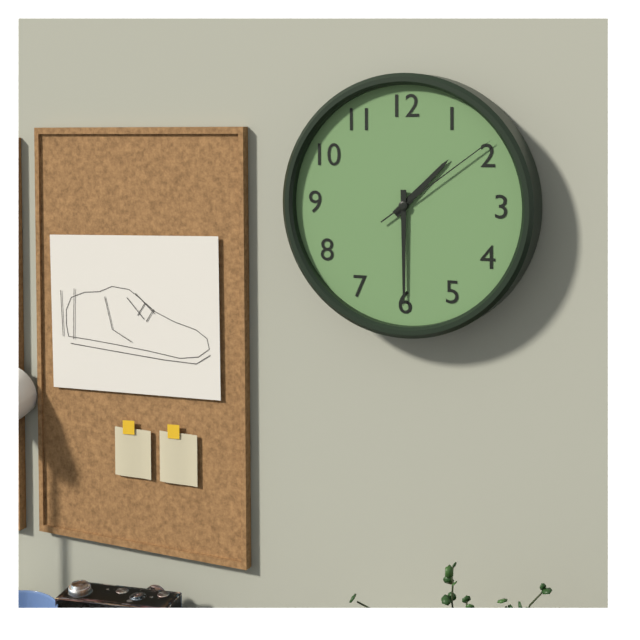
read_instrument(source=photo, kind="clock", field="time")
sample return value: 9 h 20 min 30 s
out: 1 h 30 min 09 s
